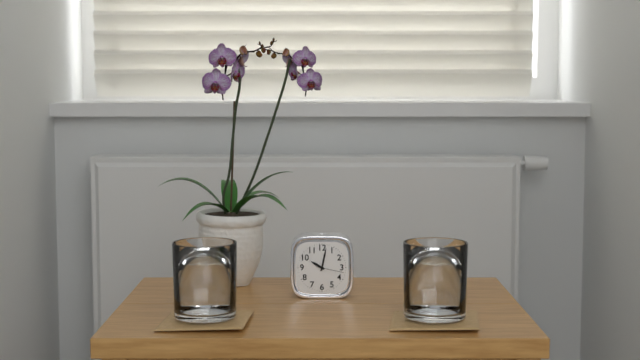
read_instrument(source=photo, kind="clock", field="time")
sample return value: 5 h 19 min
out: 10 h 02 min
